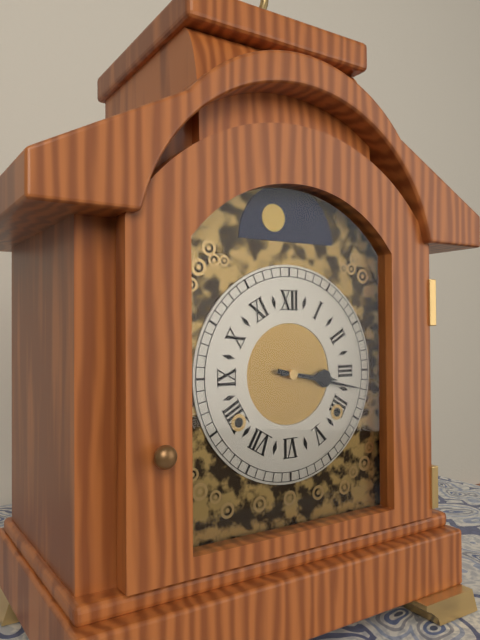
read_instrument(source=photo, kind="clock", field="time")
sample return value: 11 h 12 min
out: 3 h 17 min
